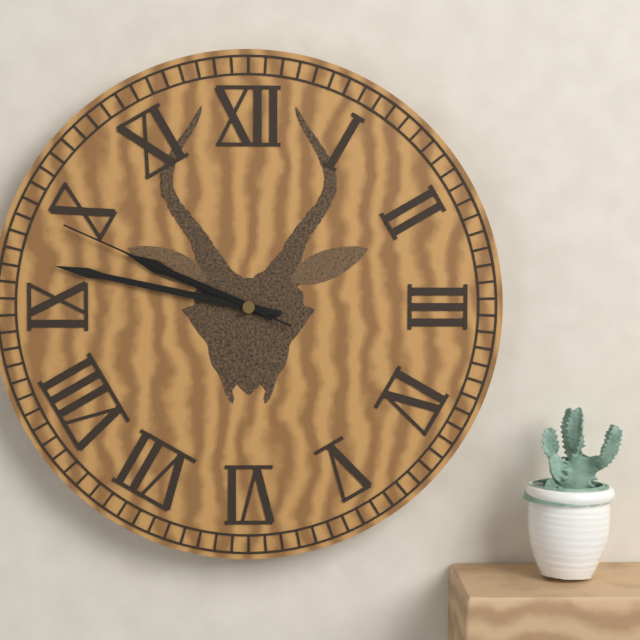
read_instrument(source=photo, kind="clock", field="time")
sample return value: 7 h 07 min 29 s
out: 9 h 47 min 49 s
